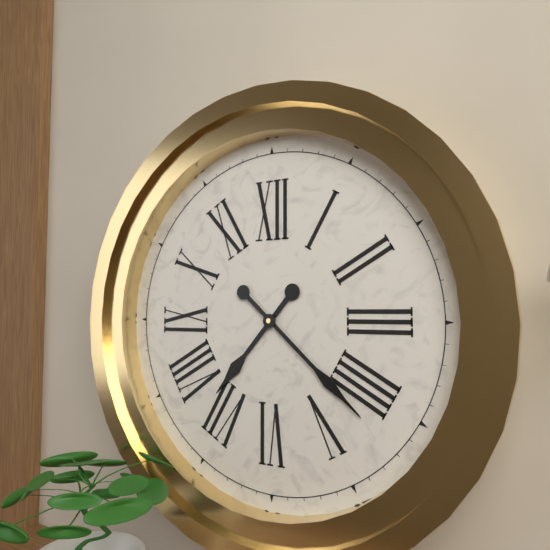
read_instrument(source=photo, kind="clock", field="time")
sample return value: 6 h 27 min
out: 7 h 22 min
